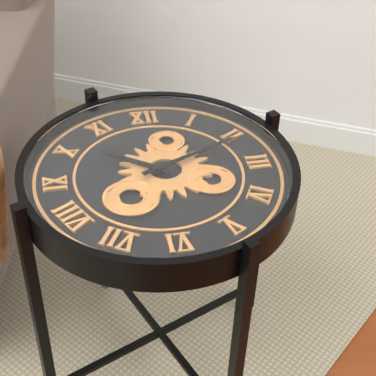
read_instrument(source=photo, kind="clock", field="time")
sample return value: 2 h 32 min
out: 10 h 11 min
